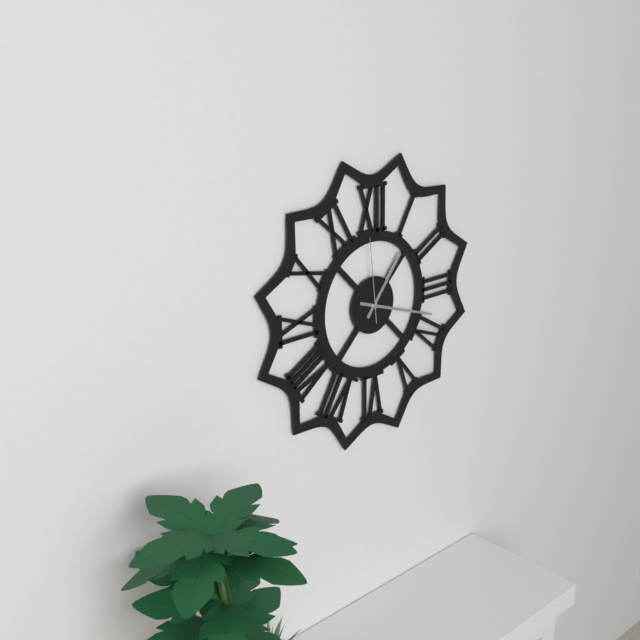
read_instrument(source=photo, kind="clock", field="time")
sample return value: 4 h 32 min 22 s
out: 1 h 18 min 59 s
